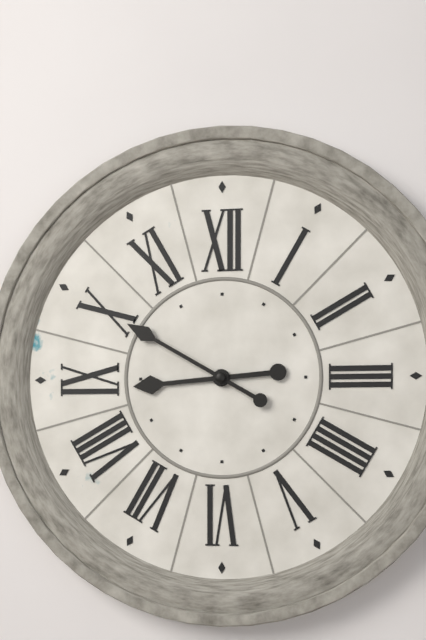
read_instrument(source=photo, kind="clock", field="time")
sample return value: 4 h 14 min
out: 8 h 50 min
